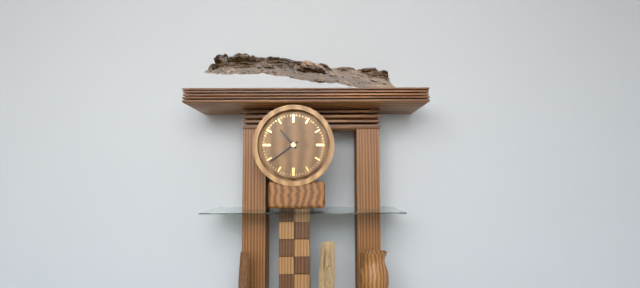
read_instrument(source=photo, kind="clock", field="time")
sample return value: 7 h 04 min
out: 10 h 39 min
